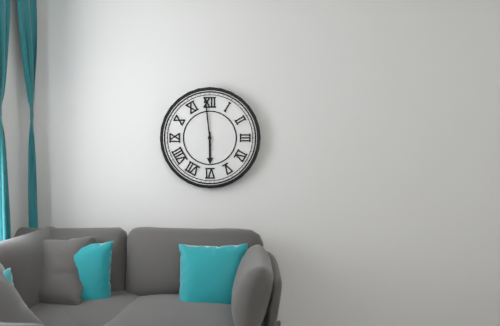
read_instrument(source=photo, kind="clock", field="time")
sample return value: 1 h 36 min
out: 5 h 59 min
